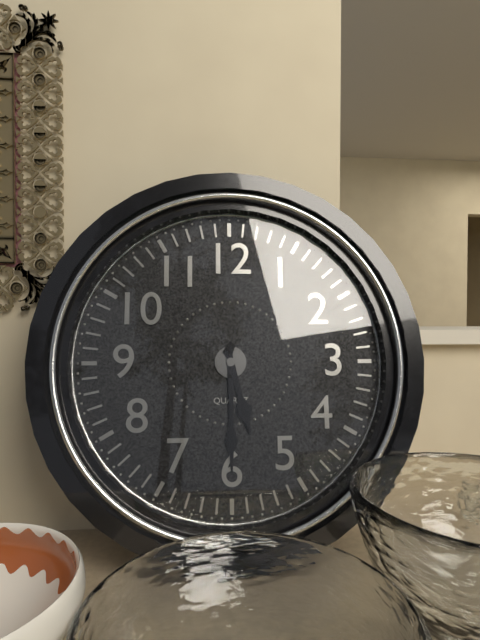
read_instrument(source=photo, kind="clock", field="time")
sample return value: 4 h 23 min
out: 5 h 30 min
